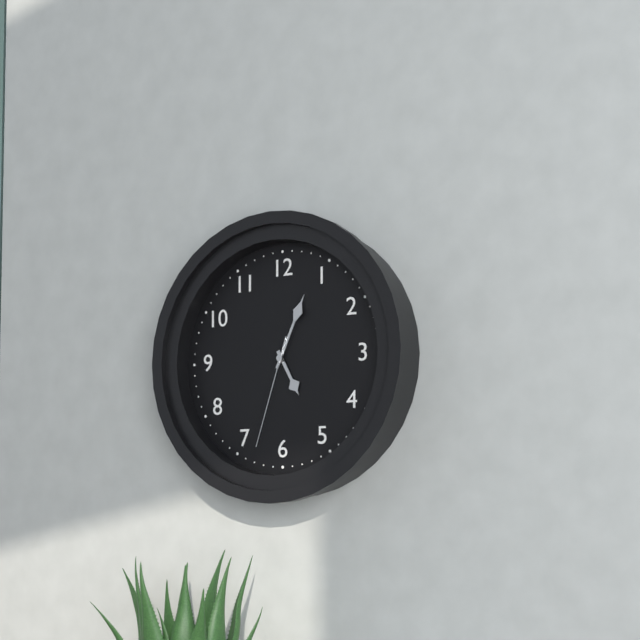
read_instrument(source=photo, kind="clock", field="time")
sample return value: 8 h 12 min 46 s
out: 5 h 04 min 33 s
